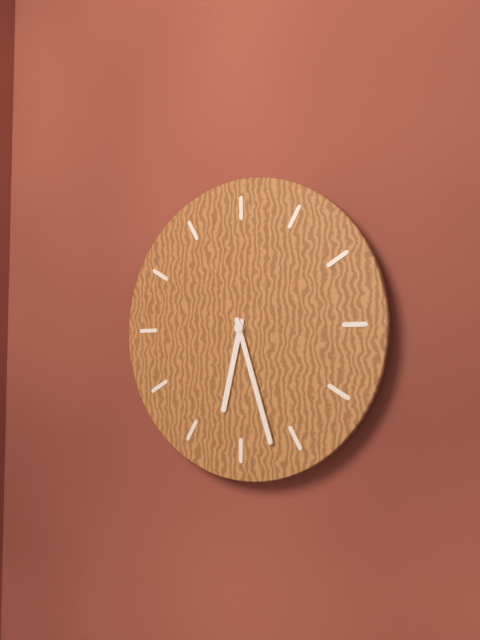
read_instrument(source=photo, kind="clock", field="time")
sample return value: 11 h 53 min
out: 6 h 27 min
